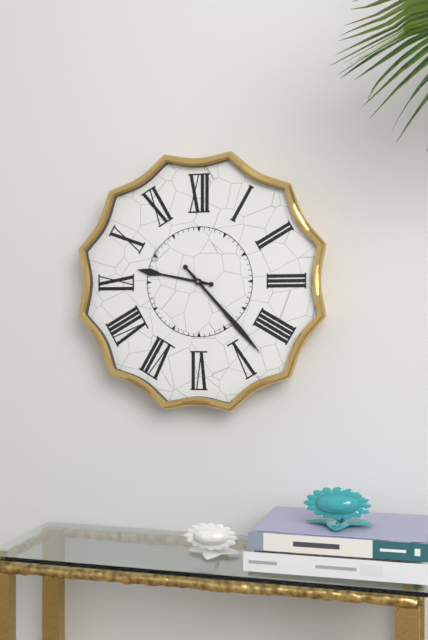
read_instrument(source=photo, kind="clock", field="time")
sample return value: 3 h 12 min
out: 9 h 23 min
